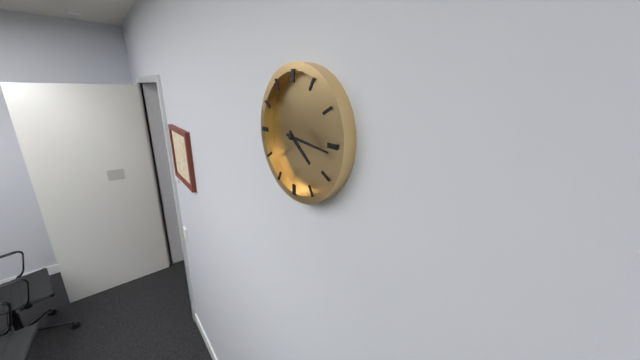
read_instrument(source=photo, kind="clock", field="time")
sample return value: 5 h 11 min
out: 4 h 16 min
